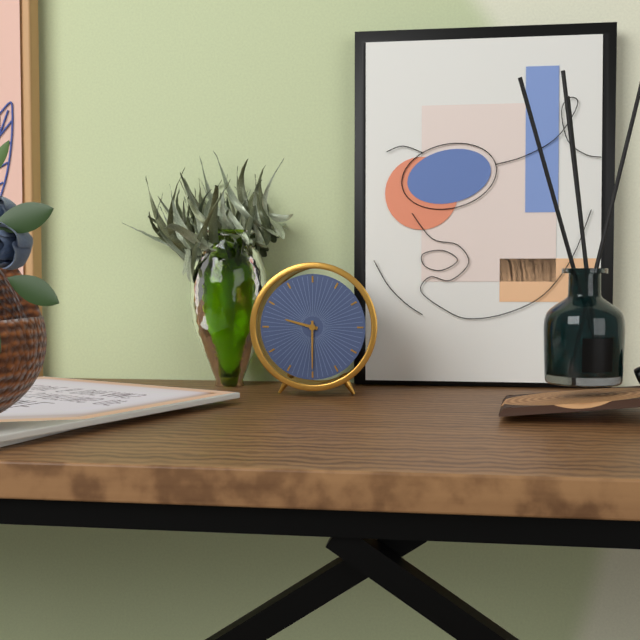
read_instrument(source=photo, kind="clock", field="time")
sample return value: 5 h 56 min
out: 9 h 30 min
